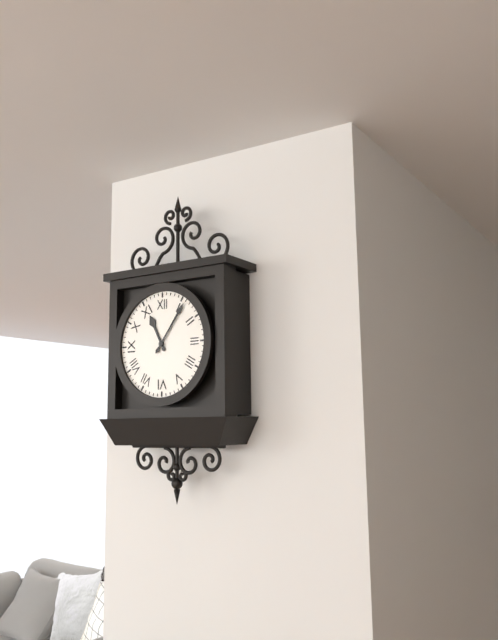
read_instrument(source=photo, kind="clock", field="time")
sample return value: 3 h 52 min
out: 11 h 06 min
